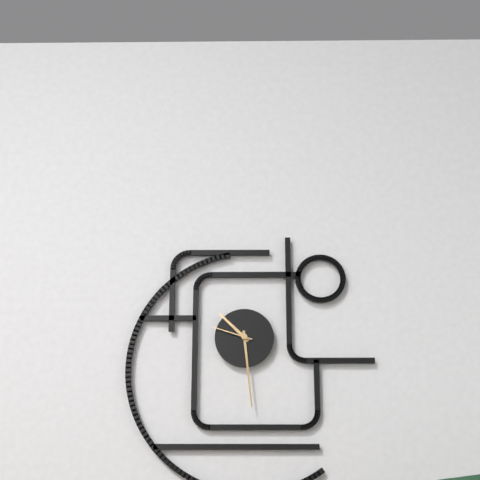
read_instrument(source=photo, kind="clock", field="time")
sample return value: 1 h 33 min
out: 10 h 29 min
